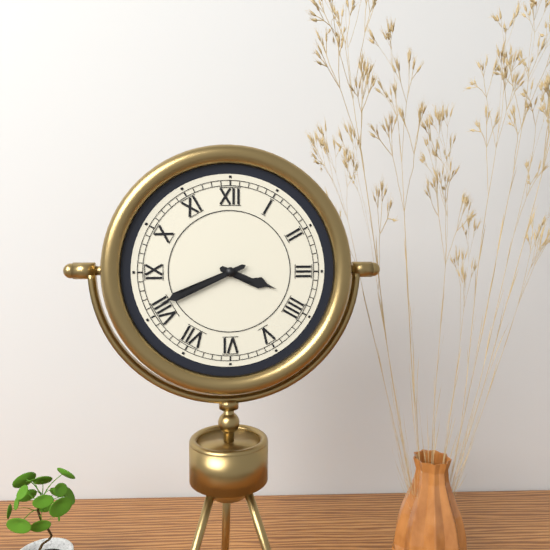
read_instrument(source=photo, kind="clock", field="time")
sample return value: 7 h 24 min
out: 3 h 41 min
